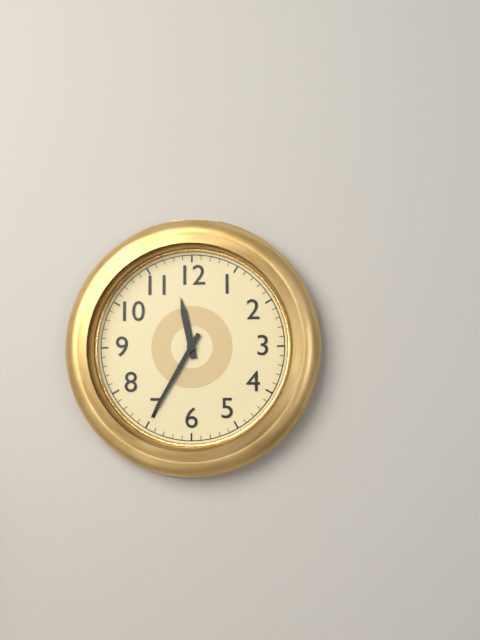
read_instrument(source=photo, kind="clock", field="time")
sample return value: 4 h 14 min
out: 11 h 35 min
